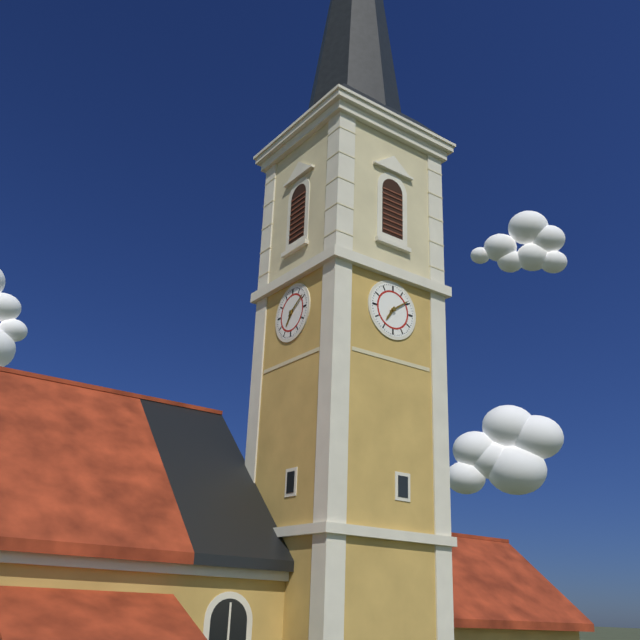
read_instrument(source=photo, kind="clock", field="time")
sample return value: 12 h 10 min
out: 7 h 09 min
